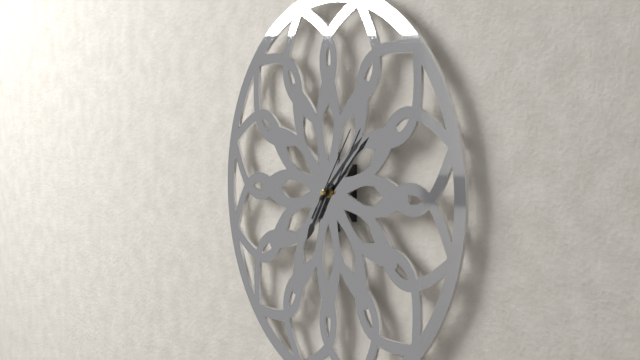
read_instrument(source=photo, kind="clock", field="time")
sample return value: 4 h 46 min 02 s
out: 7 h 08 min 06 s
